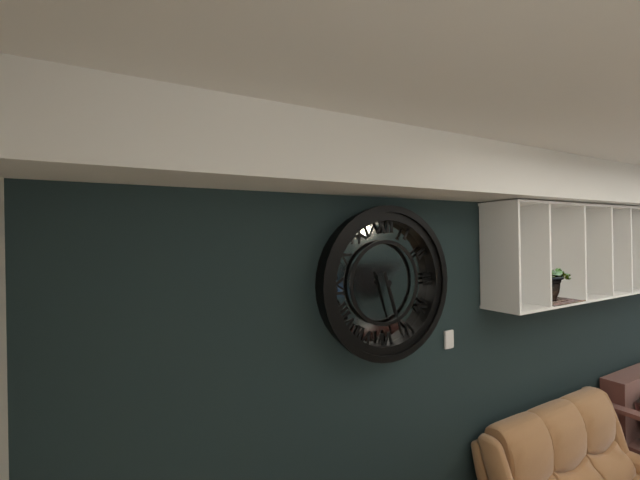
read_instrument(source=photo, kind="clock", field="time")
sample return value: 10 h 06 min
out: 5 h 27 min
